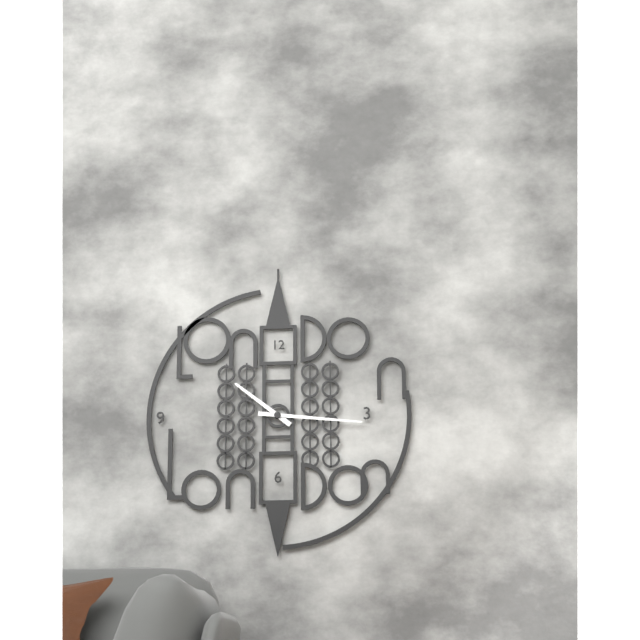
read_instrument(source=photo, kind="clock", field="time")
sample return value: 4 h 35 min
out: 10 h 16 min
